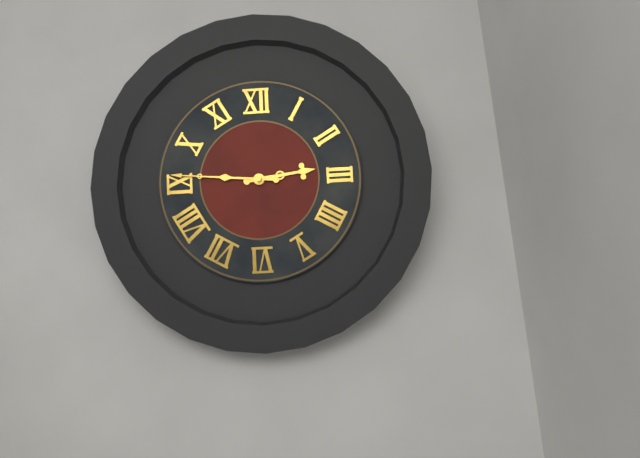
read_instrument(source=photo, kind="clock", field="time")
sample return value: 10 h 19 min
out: 2 h 46 min
